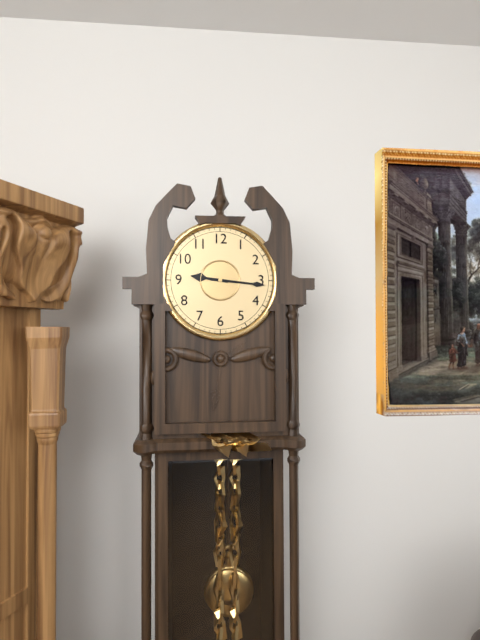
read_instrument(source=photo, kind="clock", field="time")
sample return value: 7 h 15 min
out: 9 h 16 min
